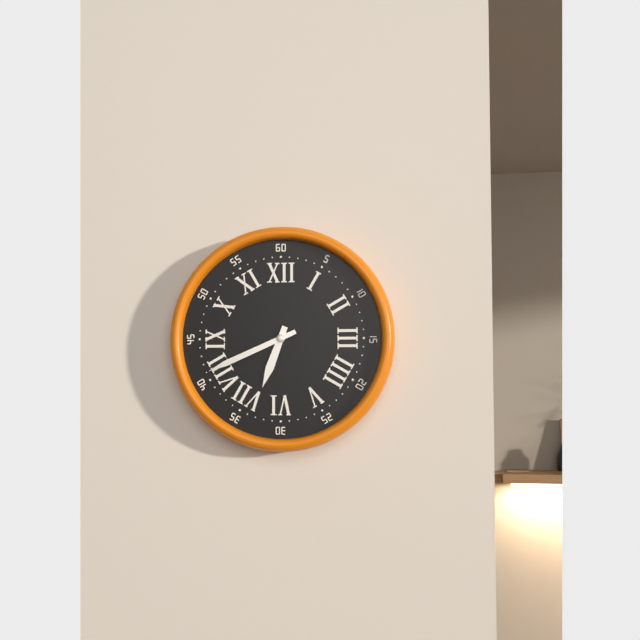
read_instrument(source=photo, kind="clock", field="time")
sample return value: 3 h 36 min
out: 6 h 41 min
